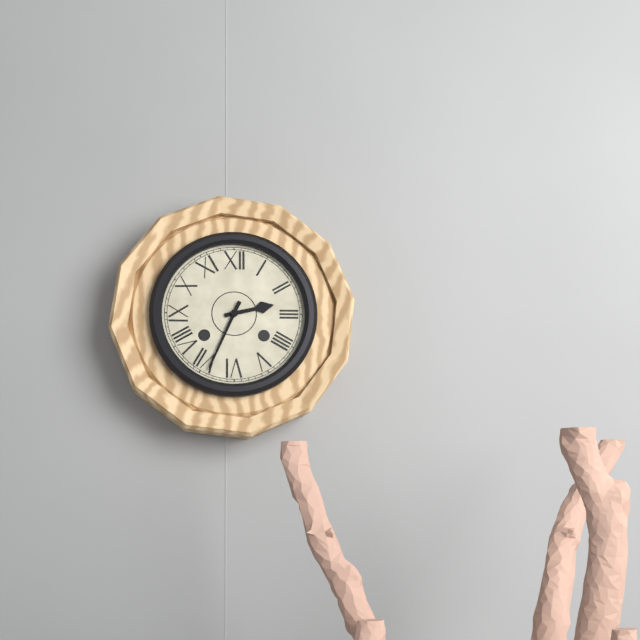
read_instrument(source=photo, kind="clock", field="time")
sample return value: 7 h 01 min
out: 2 h 34 min
